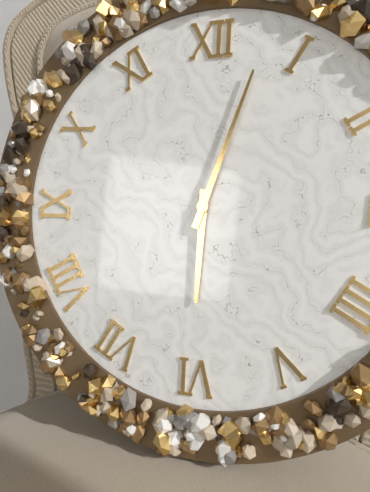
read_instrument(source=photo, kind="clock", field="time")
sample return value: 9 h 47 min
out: 6 h 03 min
